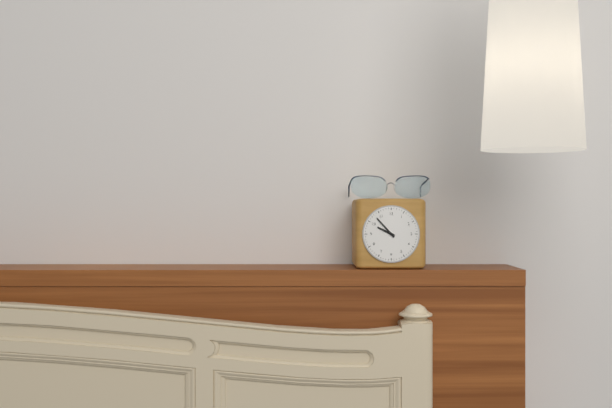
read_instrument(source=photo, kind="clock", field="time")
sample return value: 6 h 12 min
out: 9 h 53 min
